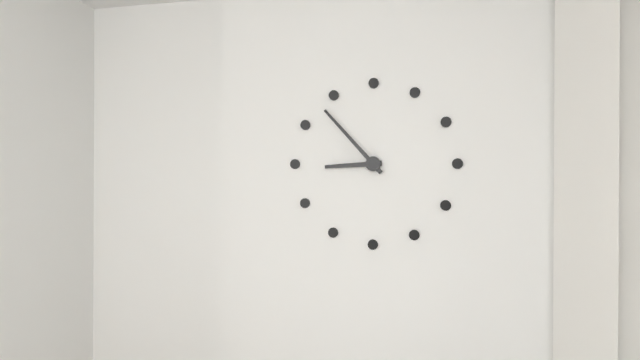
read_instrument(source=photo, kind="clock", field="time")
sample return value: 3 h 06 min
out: 8 h 53 min
